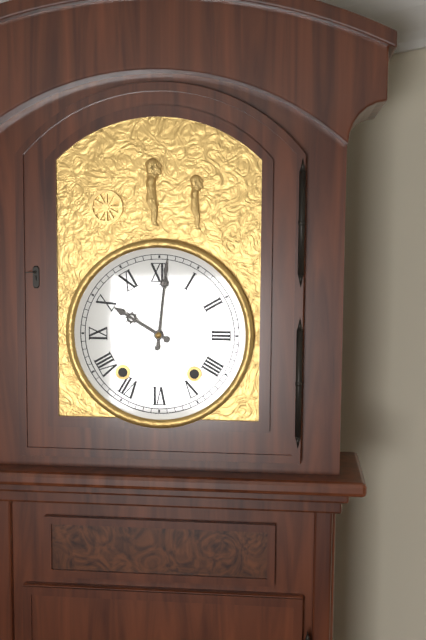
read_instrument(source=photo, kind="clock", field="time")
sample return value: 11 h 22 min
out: 10 h 01 min
